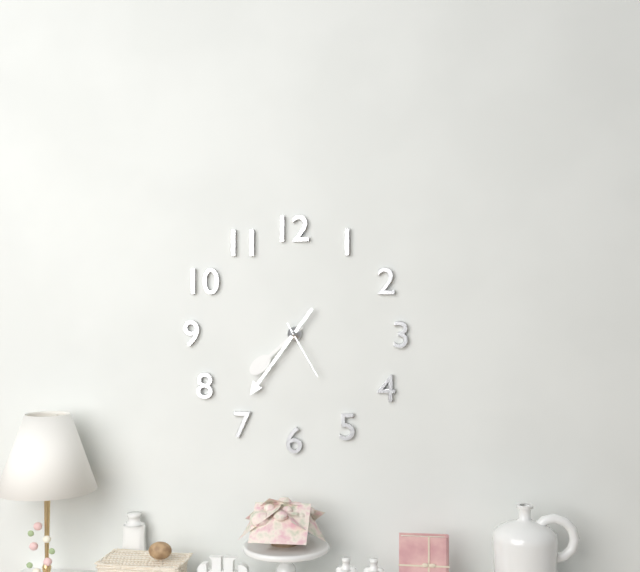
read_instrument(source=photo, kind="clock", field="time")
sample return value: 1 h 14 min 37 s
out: 7 h 36 min 25 s
